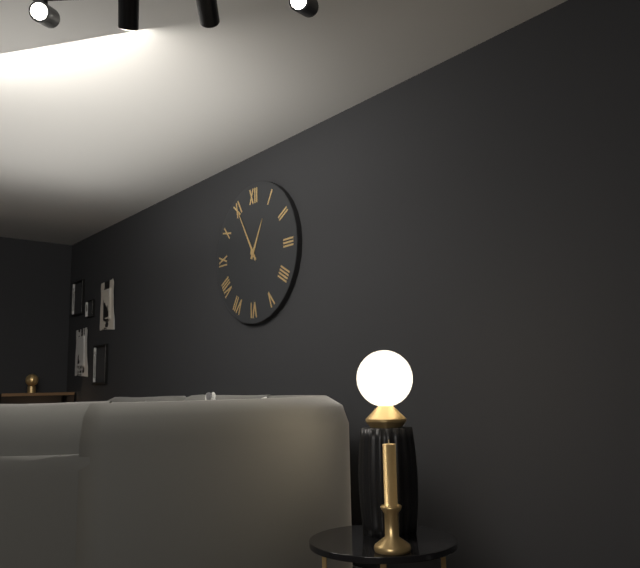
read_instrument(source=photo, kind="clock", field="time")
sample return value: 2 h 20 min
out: 12 h 55 min
